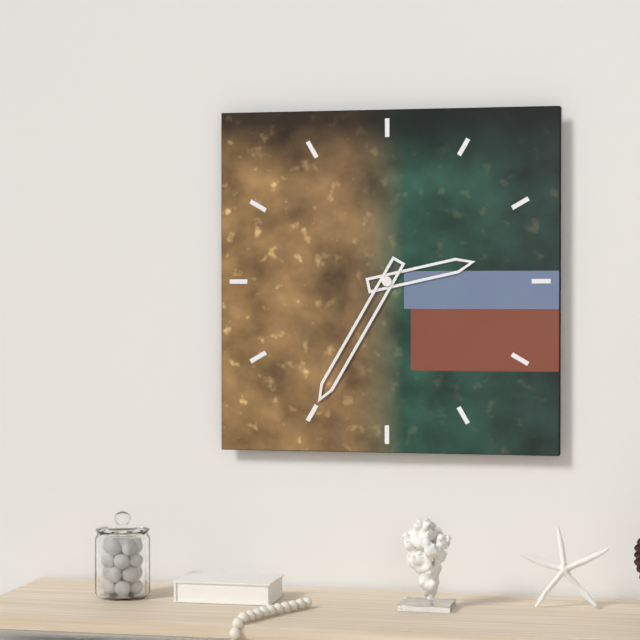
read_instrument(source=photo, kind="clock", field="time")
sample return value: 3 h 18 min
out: 2 h 35 min
